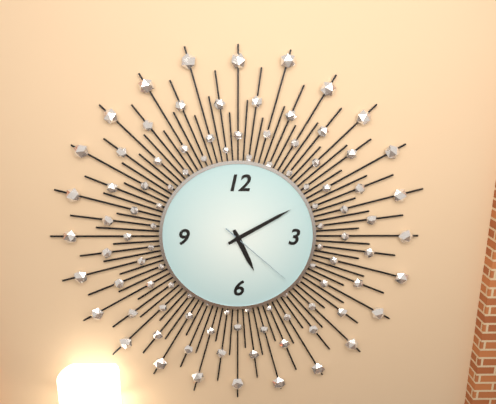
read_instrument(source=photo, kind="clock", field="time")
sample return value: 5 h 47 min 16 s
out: 5 h 10 min 22 s
